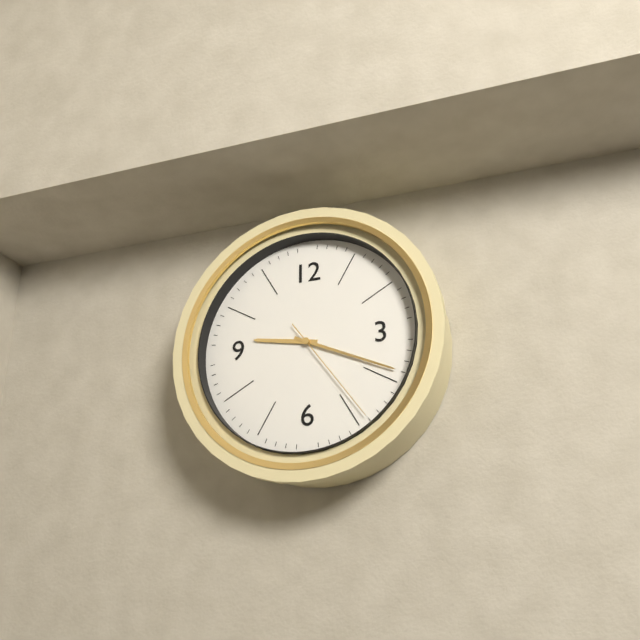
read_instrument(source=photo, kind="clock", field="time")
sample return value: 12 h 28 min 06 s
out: 9 h 19 min 24 s
